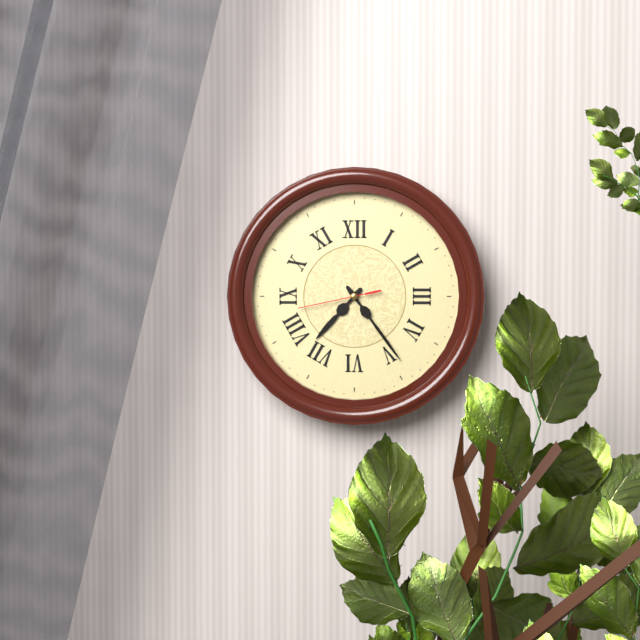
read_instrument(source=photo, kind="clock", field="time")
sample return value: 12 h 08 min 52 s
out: 7 h 24 min 43 s
